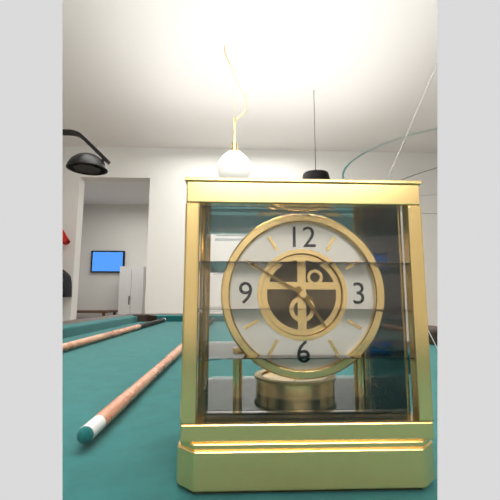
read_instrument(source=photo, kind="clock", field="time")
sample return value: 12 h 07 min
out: 4 h 50 min
